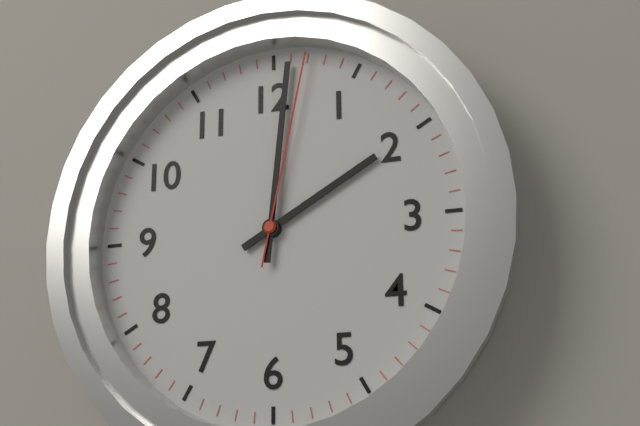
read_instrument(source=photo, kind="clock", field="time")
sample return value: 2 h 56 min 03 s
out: 2 h 01 min 02 s
